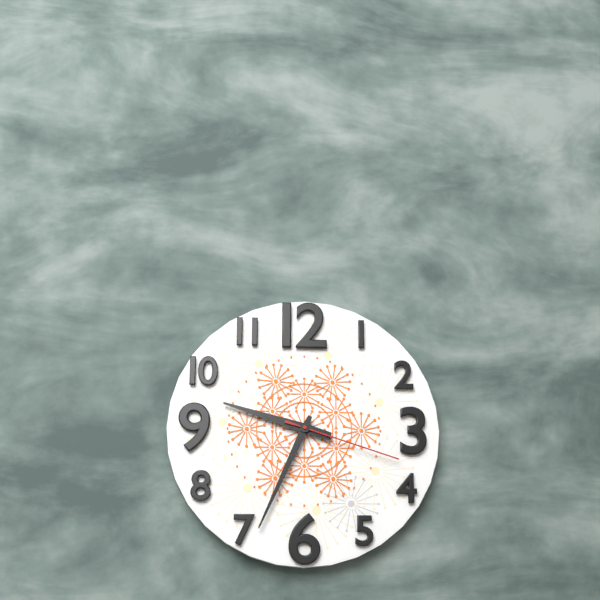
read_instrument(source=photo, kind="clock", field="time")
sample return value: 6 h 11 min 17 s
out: 9 h 34 min 18 s
